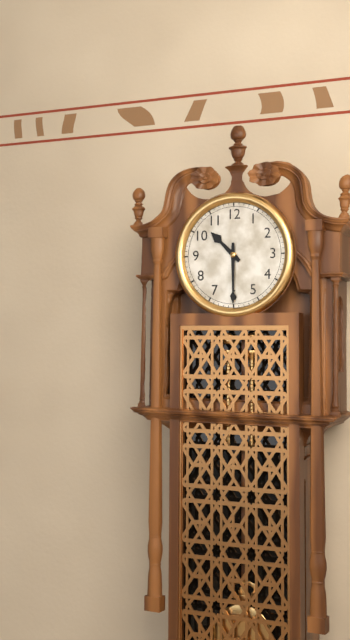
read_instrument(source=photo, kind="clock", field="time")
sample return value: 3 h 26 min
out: 10 h 30 min
